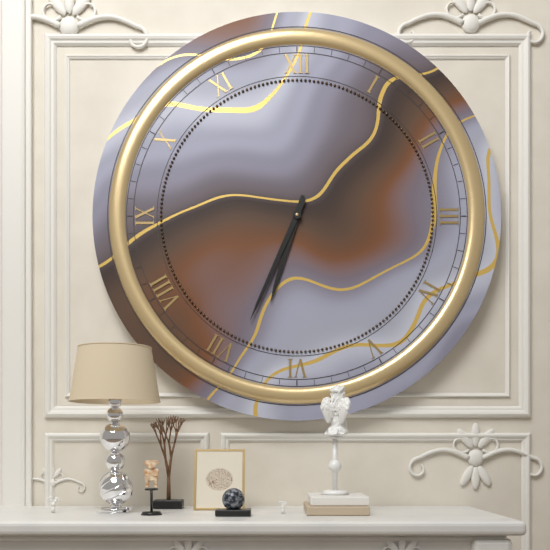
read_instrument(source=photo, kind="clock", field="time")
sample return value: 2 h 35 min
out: 6 h 34 min
